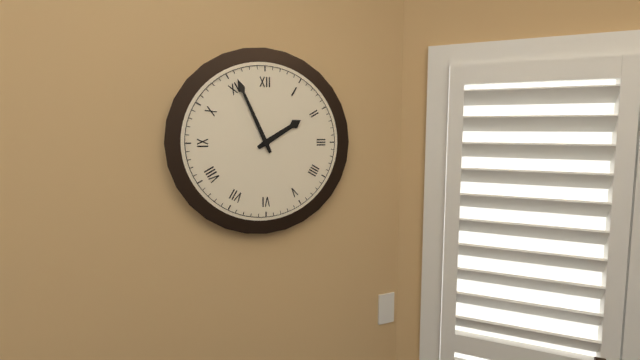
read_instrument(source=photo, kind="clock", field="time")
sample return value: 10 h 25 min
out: 1 h 56 min
